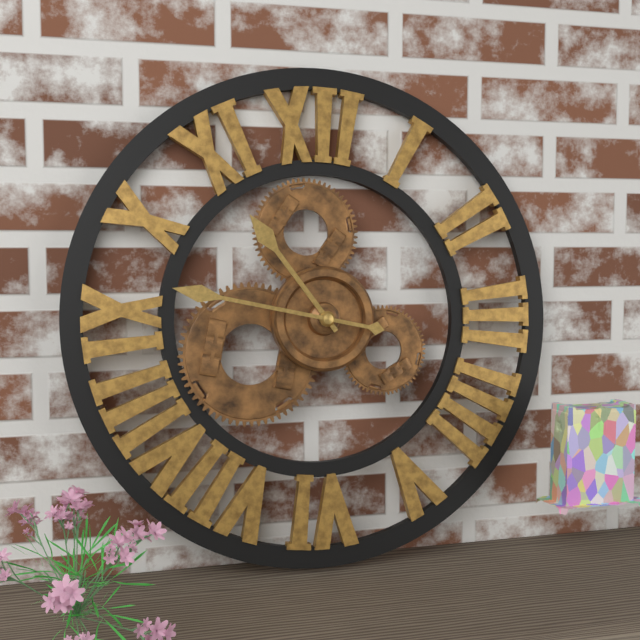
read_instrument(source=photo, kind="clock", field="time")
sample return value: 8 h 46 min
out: 10 h 47 min
